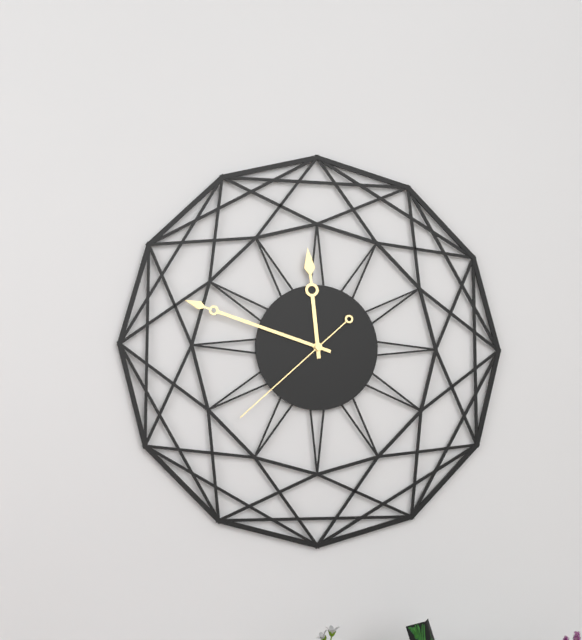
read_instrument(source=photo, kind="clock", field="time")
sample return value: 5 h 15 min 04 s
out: 11 h 48 min 38 s
